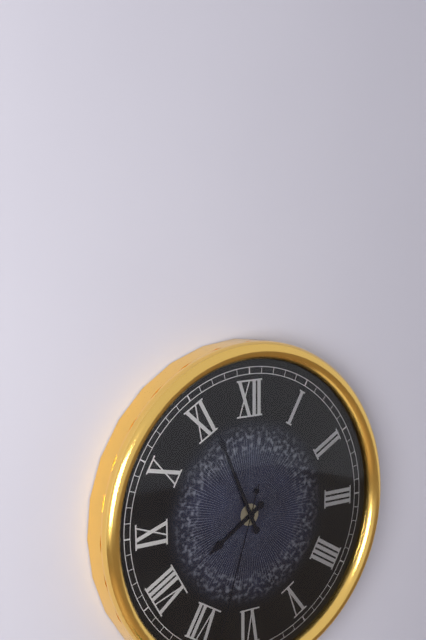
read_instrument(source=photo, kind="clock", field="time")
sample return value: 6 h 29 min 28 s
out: 7 h 56 min 33 s
